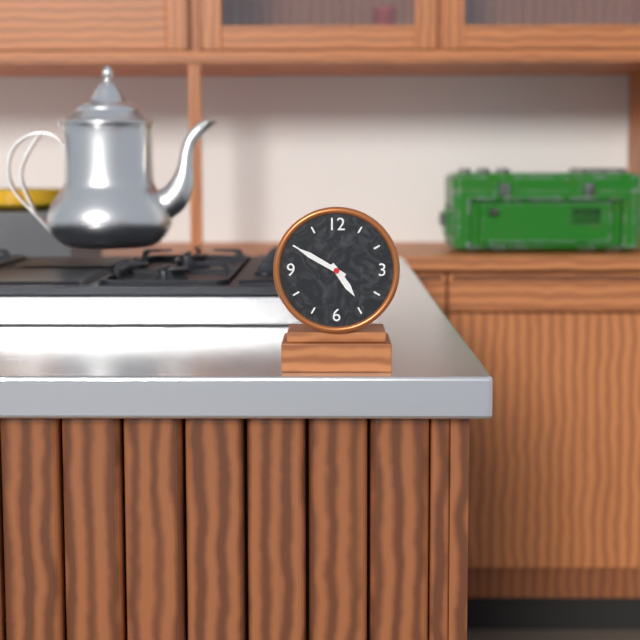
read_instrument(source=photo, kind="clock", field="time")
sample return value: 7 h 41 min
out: 4 h 50 min
